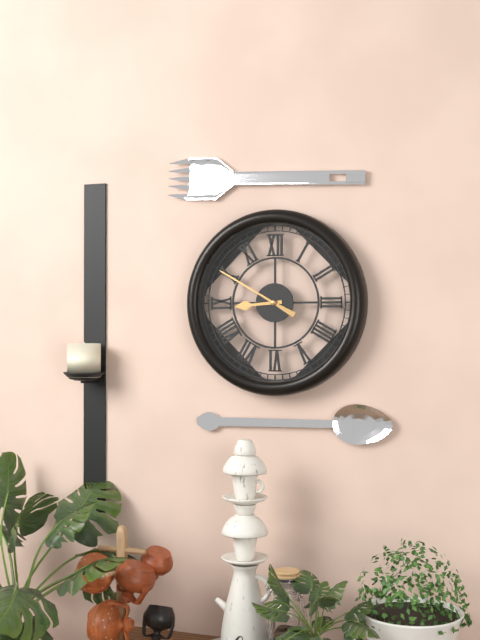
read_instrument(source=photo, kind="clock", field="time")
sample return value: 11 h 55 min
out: 8 h 50 min
